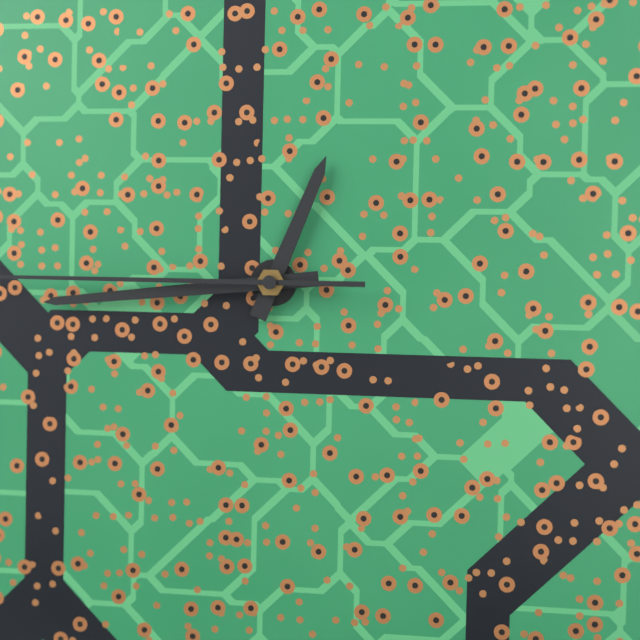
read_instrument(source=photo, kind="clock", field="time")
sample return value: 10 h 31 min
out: 12 h 44 min
